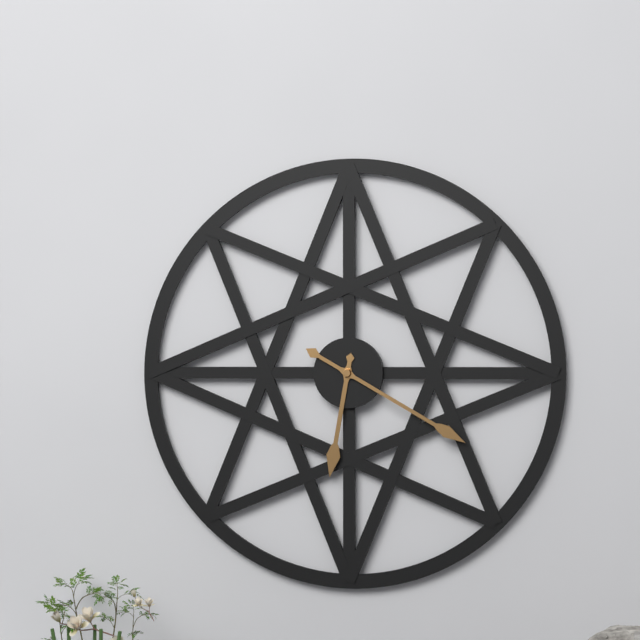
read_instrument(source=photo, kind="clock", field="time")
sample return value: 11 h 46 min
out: 6 h 20 min
